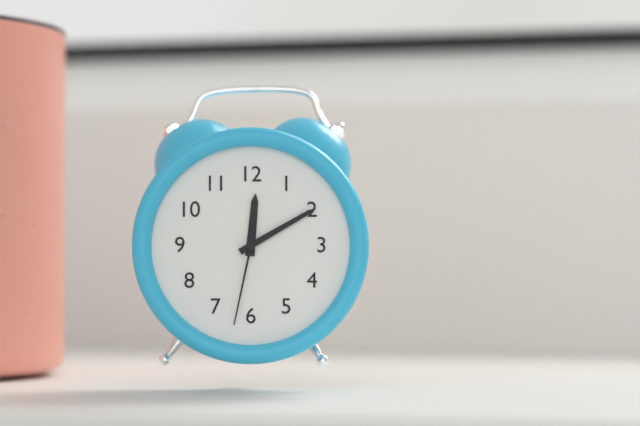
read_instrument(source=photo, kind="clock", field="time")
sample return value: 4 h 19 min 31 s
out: 12 h 10 min 32 s
